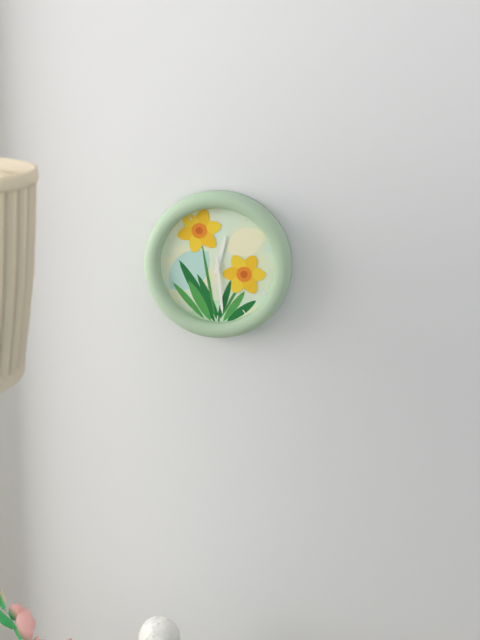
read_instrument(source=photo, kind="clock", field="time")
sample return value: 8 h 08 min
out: 12 h 29 min
